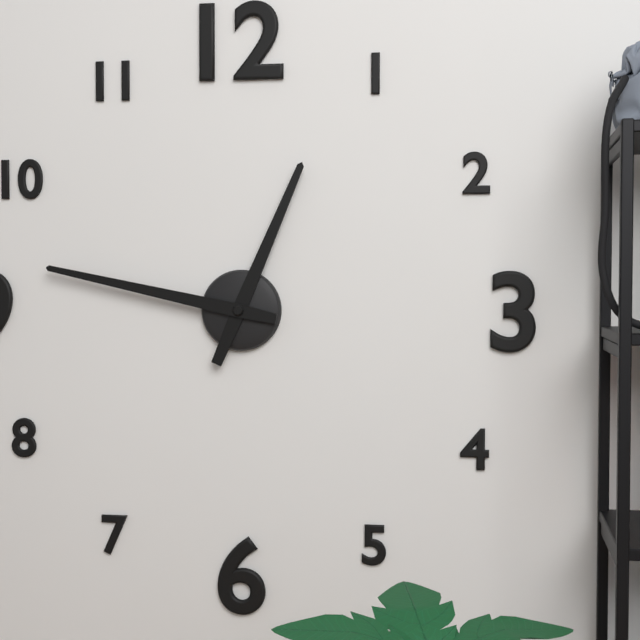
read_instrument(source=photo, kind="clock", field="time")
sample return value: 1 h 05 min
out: 12 h 47 min
